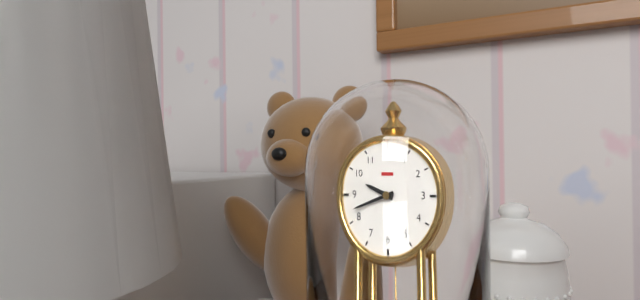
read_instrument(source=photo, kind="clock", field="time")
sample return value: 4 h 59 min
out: 9 h 42 min
